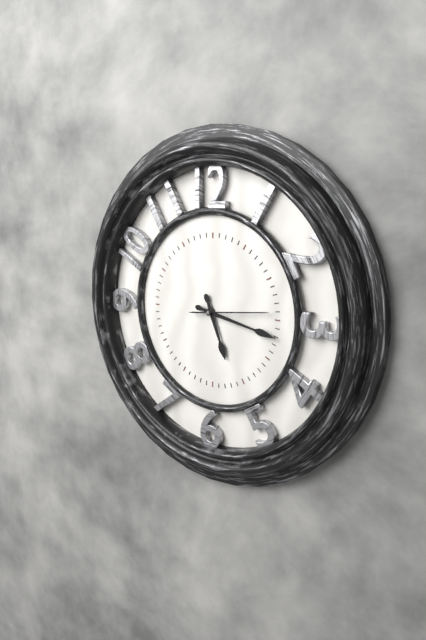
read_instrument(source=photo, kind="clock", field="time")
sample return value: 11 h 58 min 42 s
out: 5 h 17 min 14 s
